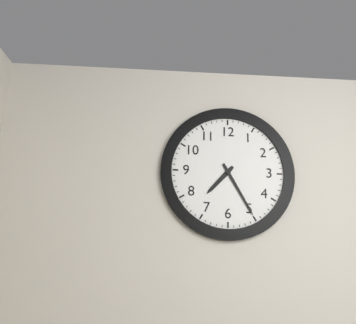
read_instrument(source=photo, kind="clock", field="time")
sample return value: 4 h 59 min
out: 7 h 25 min
